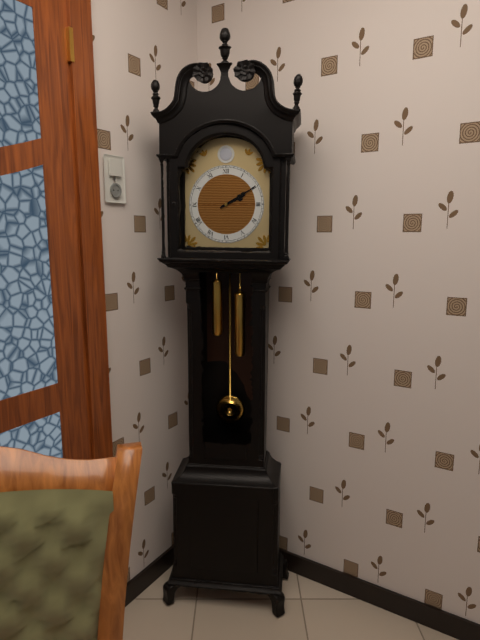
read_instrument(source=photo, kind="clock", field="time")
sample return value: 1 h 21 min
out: 2 h 10 min
